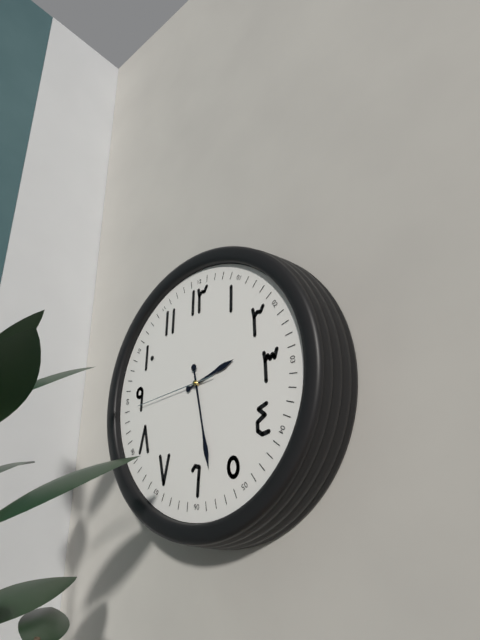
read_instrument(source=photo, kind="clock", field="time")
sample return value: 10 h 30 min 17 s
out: 2 h 28 min 44 s
